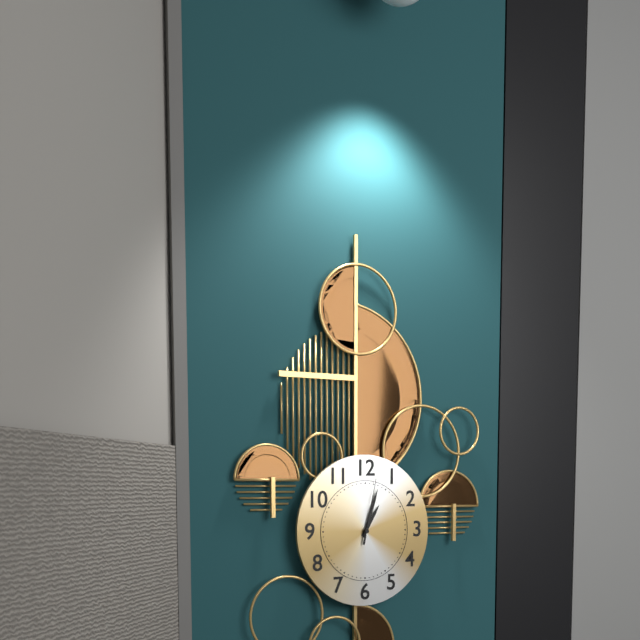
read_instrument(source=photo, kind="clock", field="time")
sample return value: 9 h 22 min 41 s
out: 1 h 03 min 02 s
